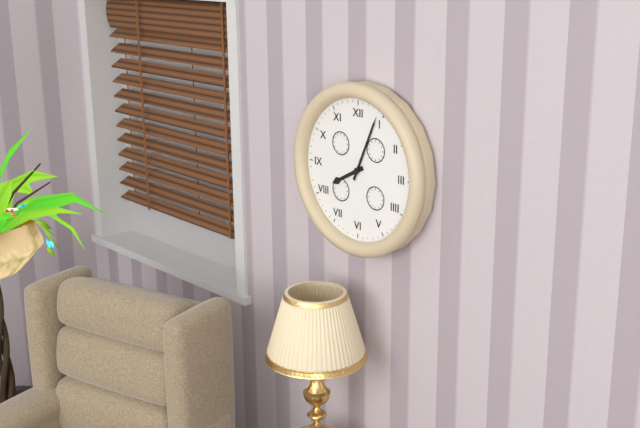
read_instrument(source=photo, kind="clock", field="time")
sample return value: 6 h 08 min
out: 8 h 04 min
